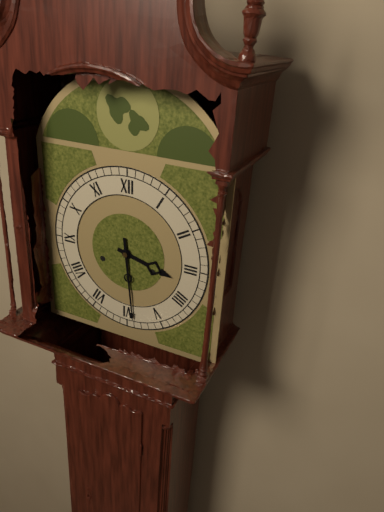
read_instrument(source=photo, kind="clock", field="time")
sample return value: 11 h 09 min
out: 3 h 29 min
